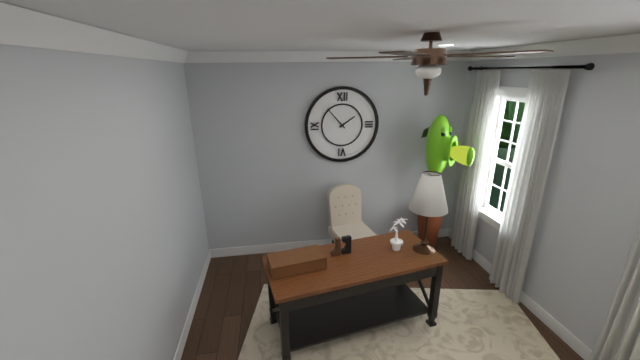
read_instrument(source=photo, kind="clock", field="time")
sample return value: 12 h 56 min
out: 1 h 53 min
